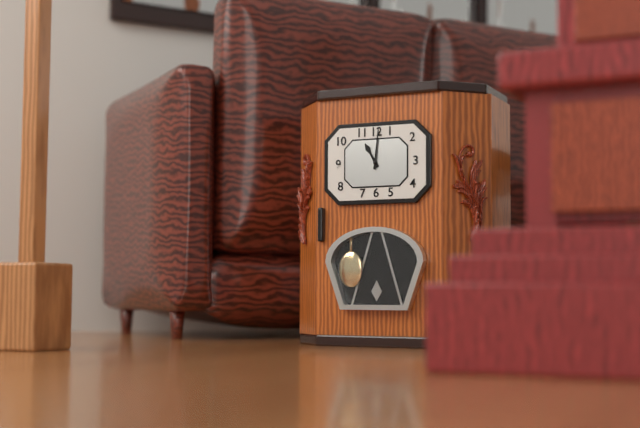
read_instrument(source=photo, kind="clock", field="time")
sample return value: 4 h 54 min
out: 11 h 01 min
